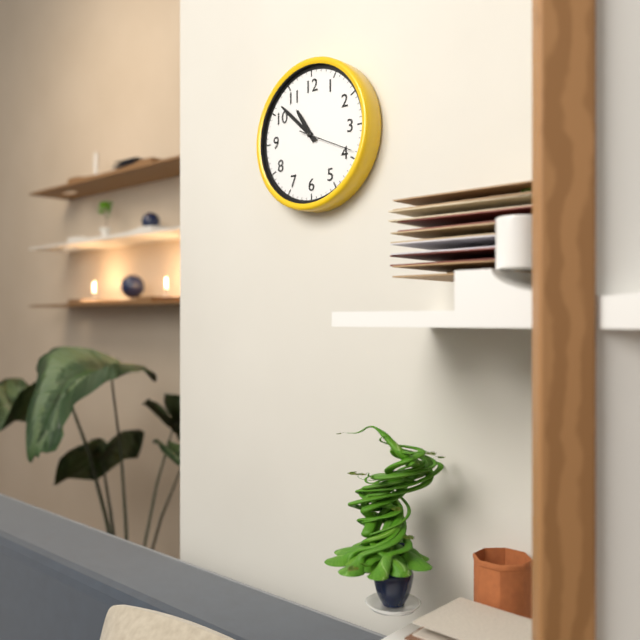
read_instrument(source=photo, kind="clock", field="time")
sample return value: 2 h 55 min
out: 10 h 52 min
